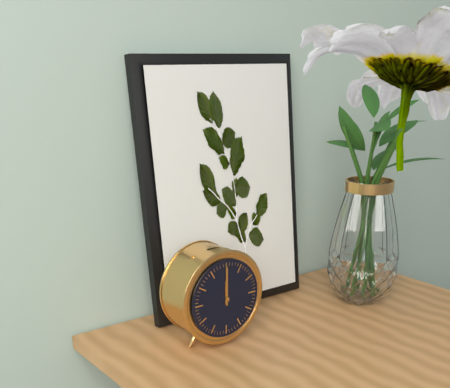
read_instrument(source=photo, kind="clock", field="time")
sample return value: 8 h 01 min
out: 12 h 00 min
